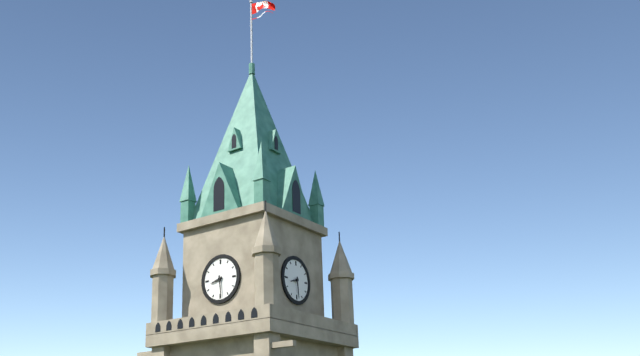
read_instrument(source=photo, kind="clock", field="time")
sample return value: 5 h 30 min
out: 8 h 29 min
